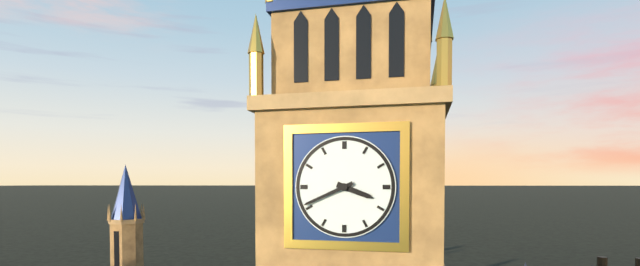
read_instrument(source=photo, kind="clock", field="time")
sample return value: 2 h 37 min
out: 3 h 41 min
